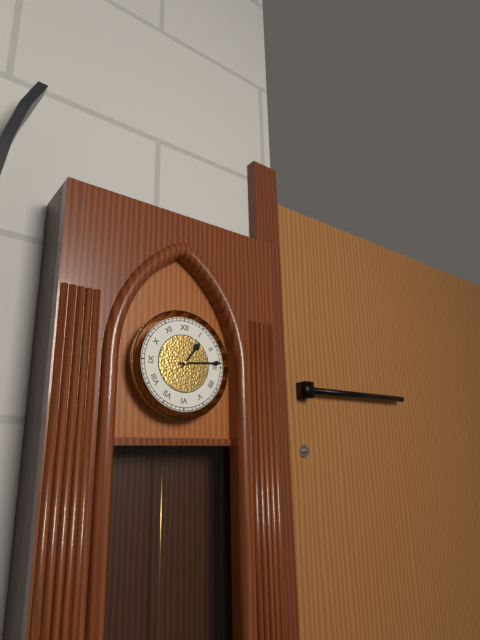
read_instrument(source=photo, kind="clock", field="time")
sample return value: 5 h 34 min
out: 1 h 14 min
